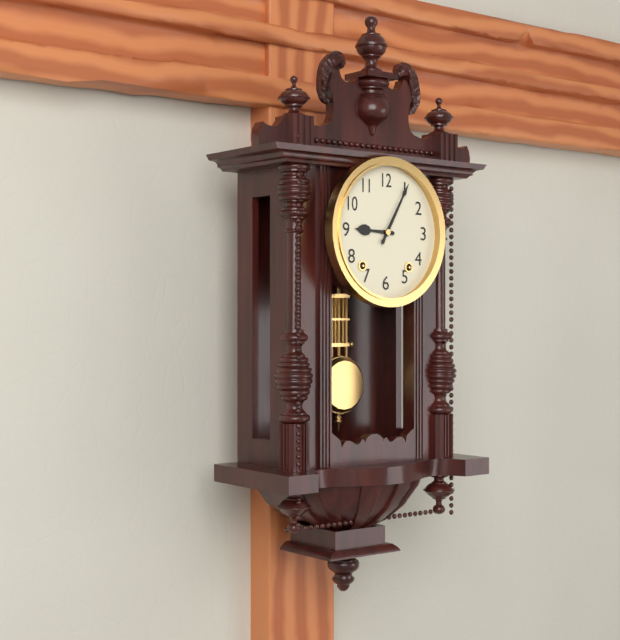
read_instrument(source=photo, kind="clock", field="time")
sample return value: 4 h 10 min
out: 9 h 05 min
